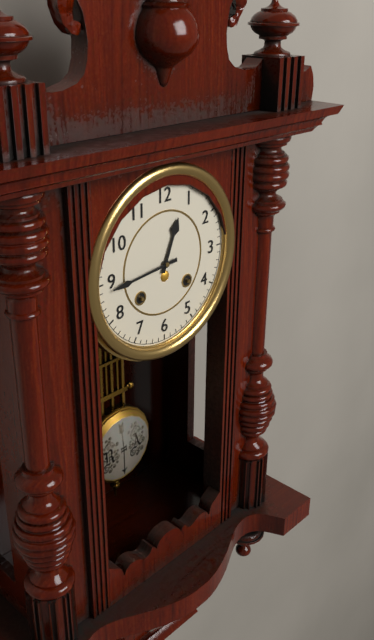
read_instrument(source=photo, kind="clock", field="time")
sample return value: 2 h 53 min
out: 12 h 44 min
